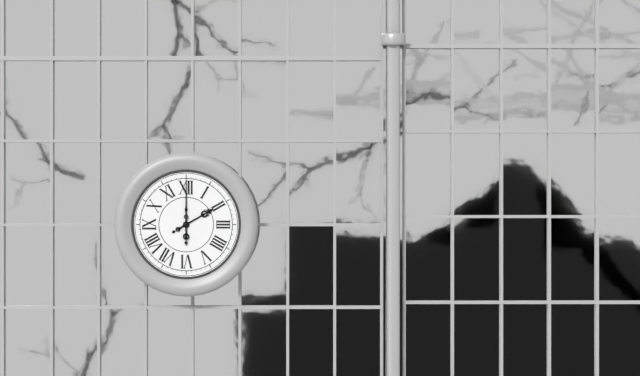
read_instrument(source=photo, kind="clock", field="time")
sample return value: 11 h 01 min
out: 2 h 00 min
